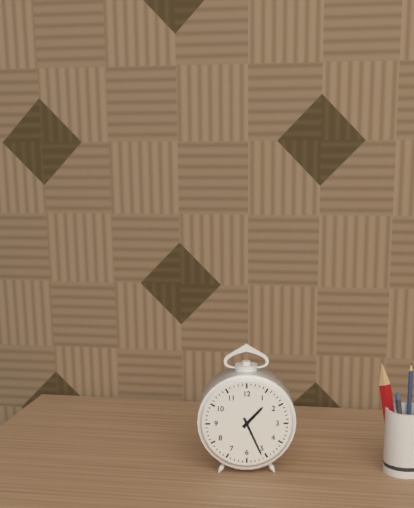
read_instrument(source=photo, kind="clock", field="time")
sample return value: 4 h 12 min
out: 1 h 26 min
